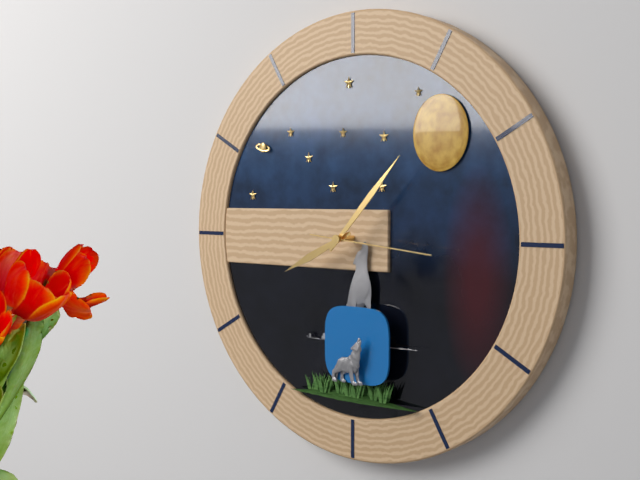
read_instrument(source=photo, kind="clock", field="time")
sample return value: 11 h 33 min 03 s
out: 8 h 07 min 16 s
